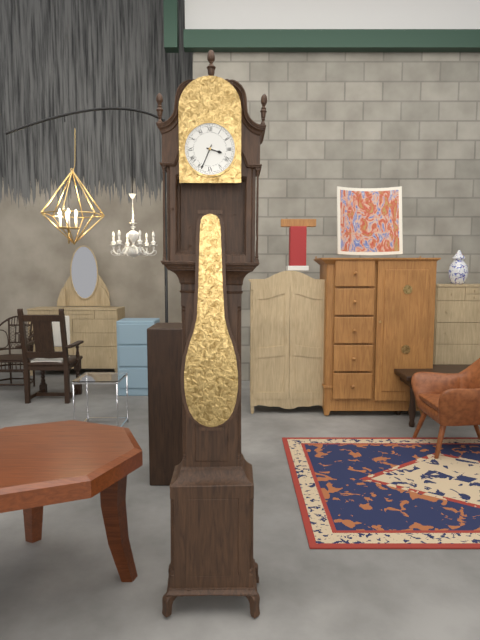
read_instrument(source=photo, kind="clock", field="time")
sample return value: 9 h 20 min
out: 3 h 34 min
